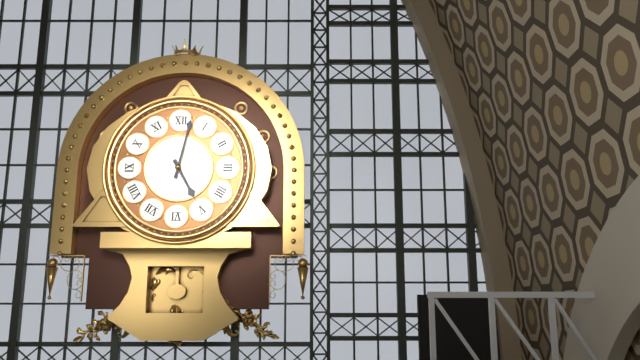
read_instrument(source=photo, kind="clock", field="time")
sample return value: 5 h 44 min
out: 5 h 02 min
